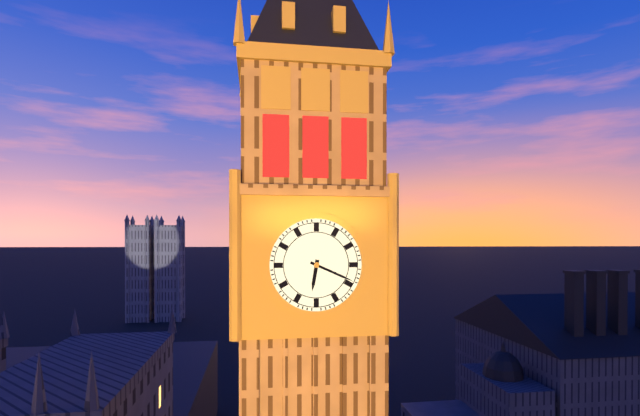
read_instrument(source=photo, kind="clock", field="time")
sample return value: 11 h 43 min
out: 6 h 19 min
